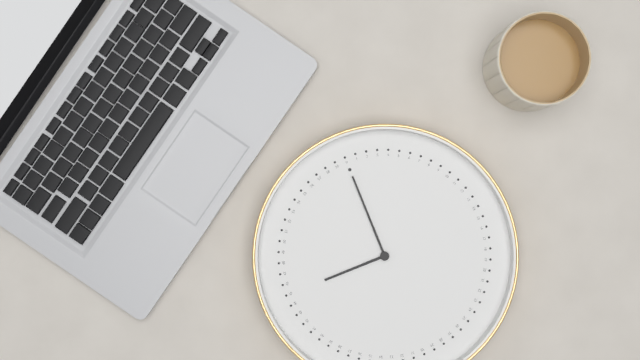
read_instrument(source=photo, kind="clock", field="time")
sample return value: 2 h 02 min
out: 9 h 00 min
